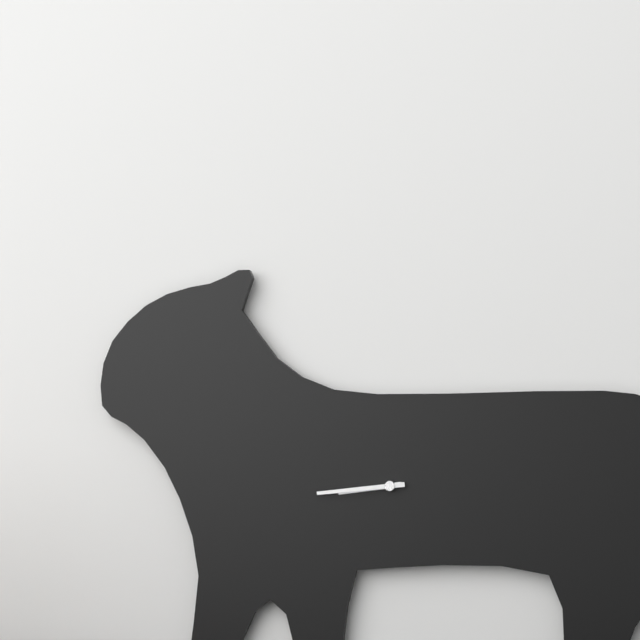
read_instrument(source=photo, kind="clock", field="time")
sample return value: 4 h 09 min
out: 8 h 44 min
